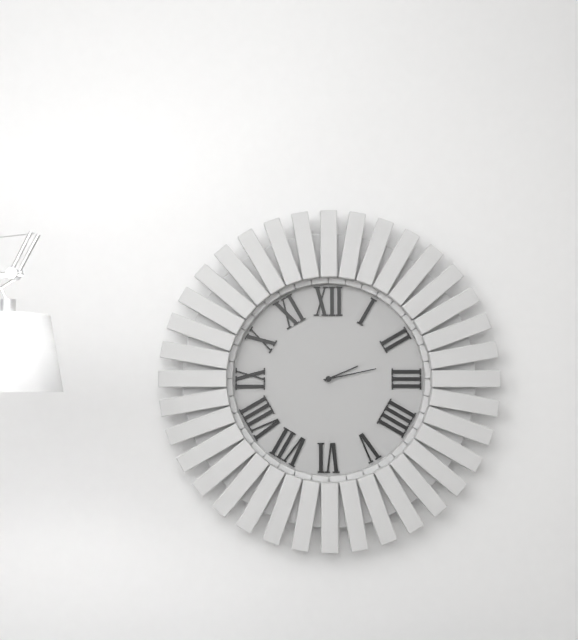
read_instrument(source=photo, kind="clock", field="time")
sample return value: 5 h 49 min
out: 2 h 13 min
